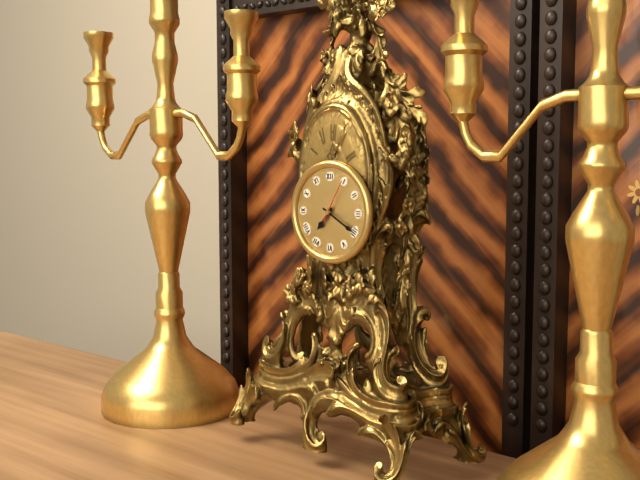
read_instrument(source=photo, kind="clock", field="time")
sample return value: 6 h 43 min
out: 7 h 20 min
